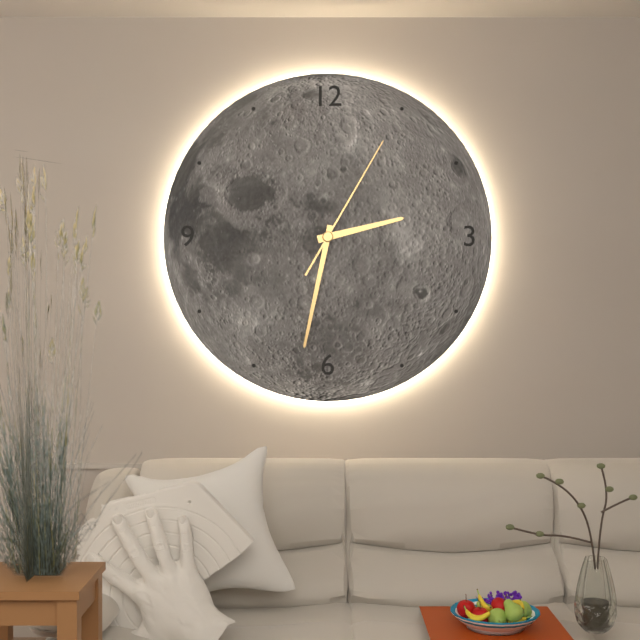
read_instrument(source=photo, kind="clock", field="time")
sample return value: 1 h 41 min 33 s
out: 2 h 32 min 05 s
